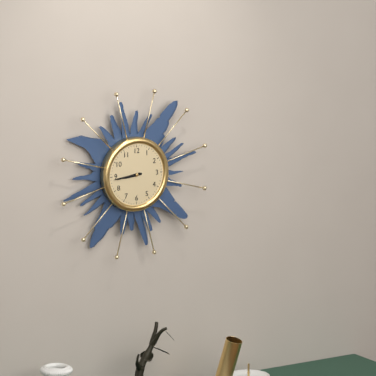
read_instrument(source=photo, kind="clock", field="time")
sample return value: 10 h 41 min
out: 8 h 44 min
